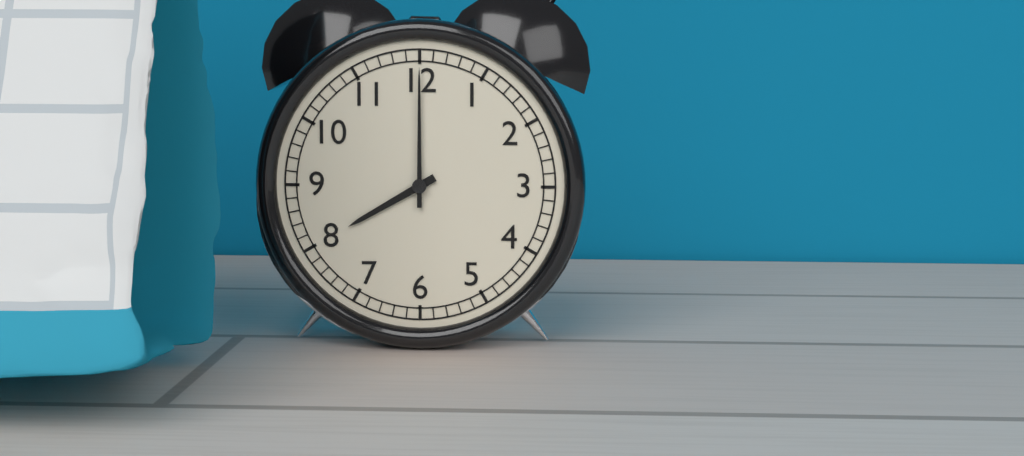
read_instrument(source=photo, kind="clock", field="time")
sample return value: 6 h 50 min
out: 8 h 00 min
